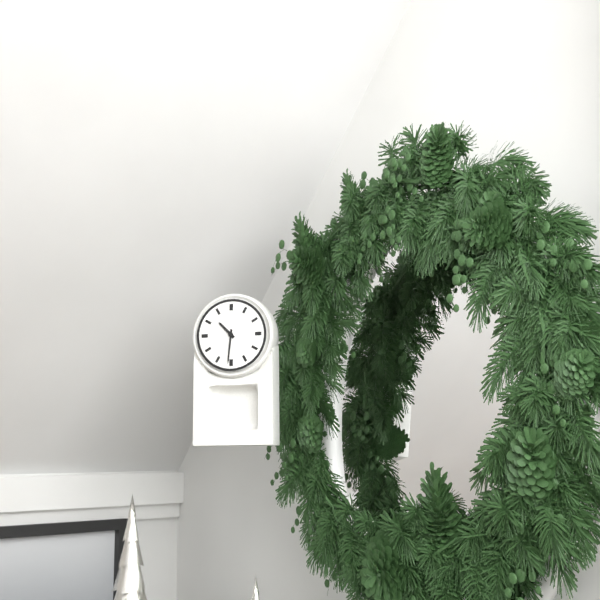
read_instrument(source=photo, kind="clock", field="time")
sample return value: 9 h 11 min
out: 10 h 31 min
